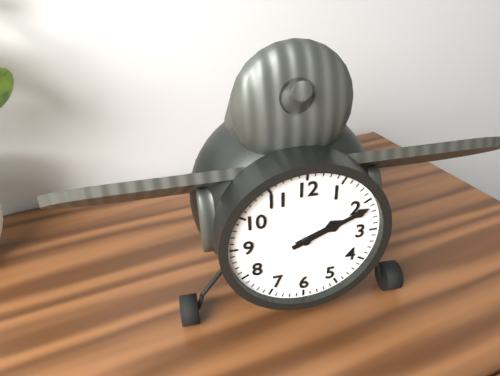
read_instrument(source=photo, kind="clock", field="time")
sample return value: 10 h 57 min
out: 2 h 11 min
